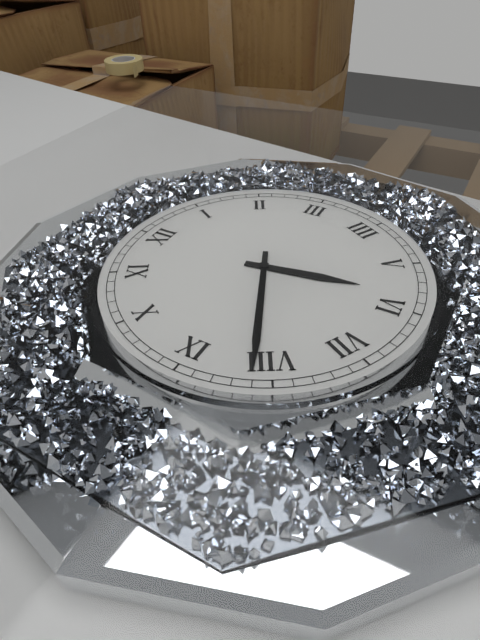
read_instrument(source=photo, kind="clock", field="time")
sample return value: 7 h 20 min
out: 5 h 41 min
